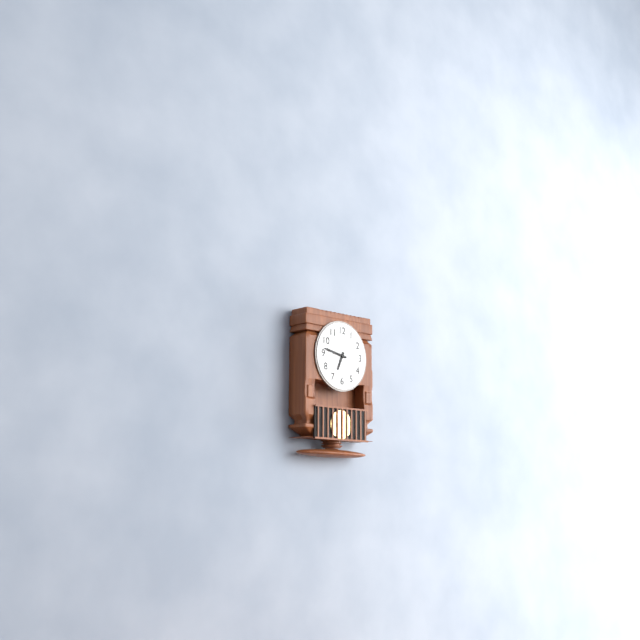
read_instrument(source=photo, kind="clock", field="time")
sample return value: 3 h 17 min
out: 6 h 47 min
